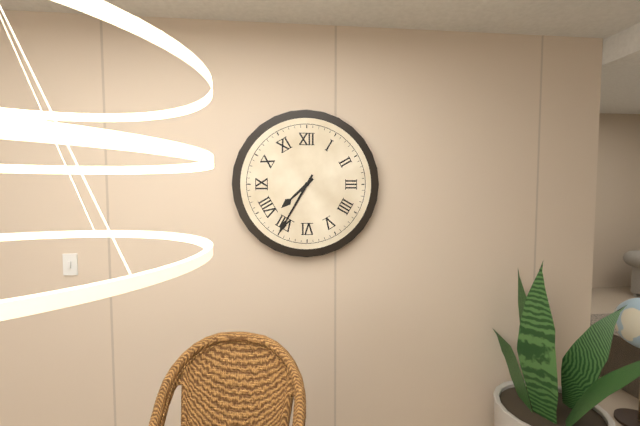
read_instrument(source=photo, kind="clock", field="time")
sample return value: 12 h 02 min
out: 7 h 35 min
